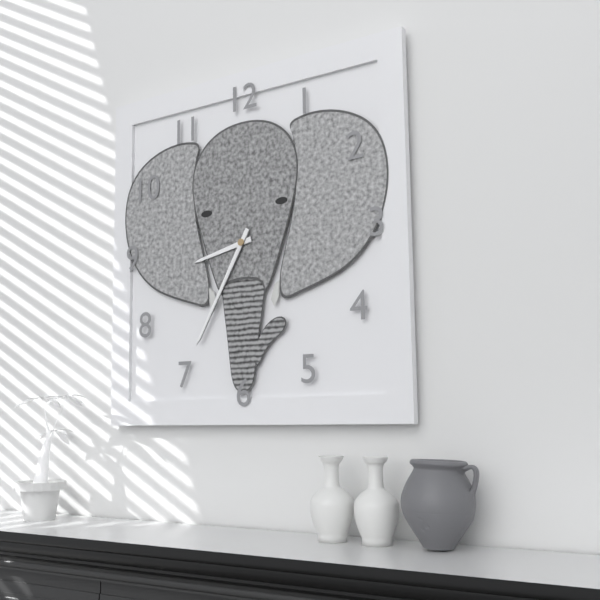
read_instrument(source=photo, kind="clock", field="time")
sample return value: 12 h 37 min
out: 8 h 35 min
